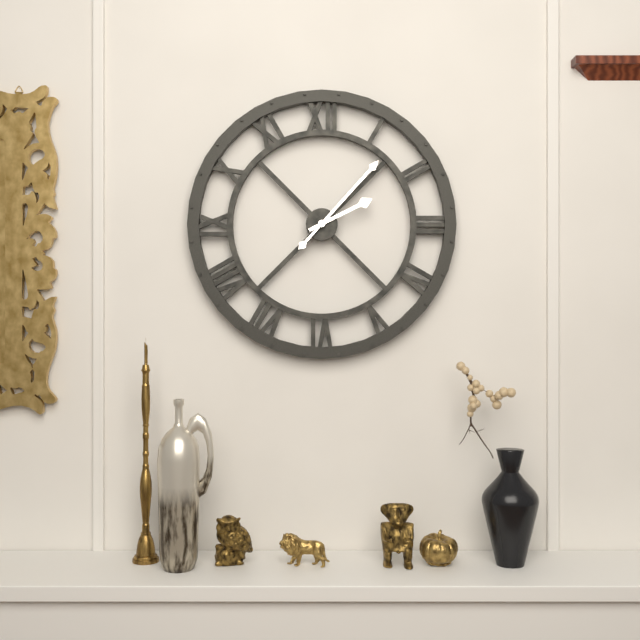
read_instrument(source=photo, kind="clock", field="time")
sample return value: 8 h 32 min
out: 2 h 07 min
